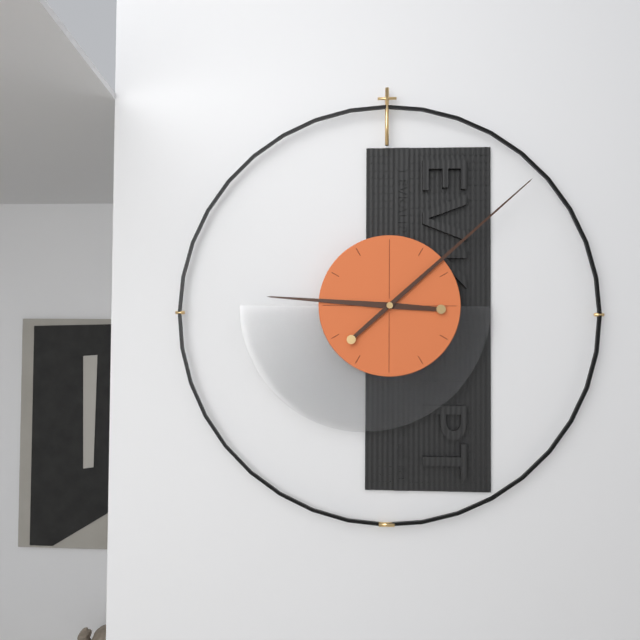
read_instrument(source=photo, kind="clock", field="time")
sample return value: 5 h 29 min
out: 9 h 08 min
